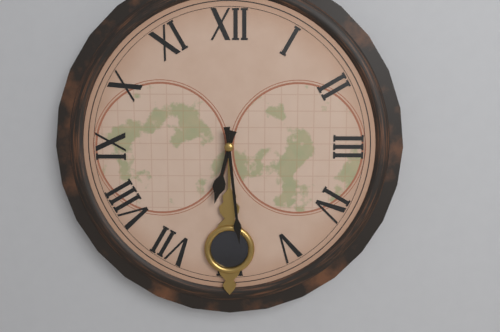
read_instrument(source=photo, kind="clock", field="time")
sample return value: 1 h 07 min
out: 6 h 29 min
